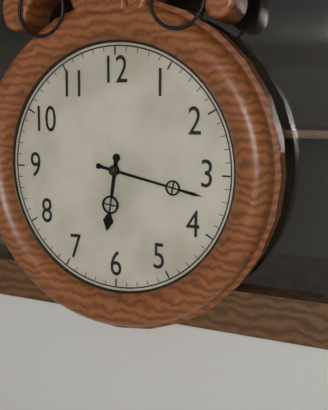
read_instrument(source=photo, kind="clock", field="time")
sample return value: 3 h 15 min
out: 6 h 17 min
